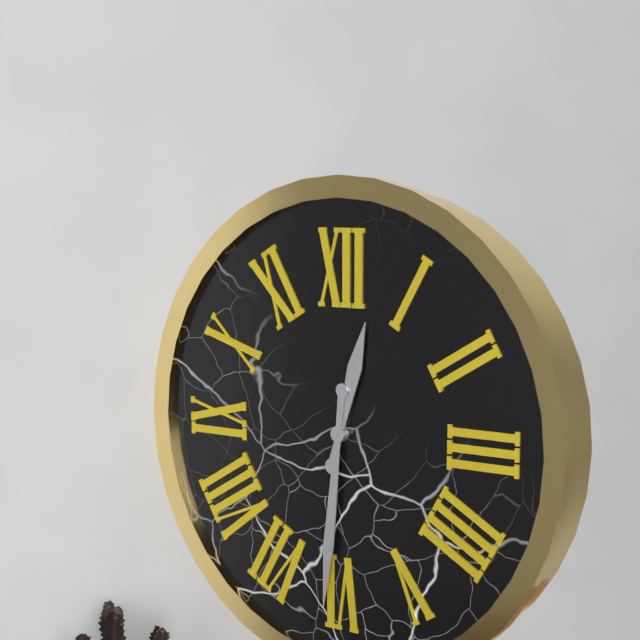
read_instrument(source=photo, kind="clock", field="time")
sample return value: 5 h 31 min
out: 12 h 31 min
